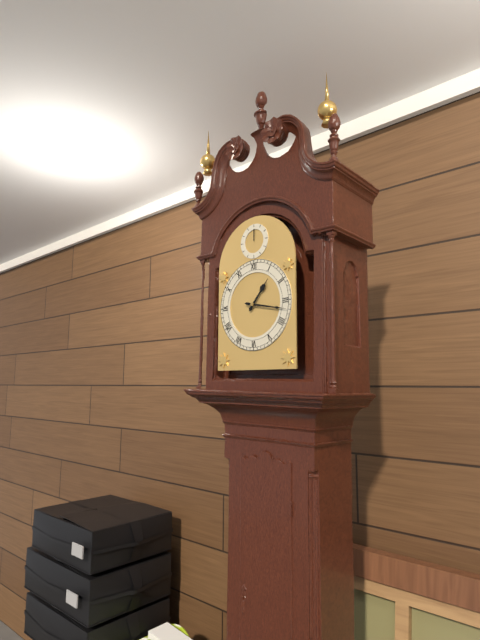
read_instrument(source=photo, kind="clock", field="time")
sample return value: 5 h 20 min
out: 1 h 17 min
